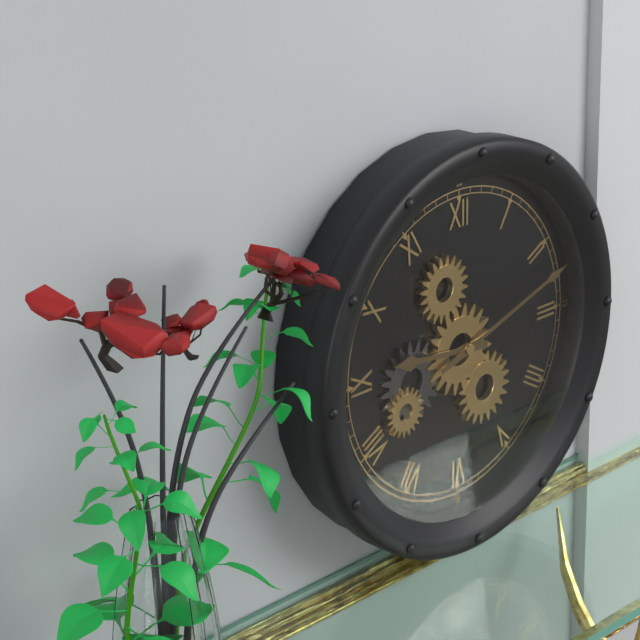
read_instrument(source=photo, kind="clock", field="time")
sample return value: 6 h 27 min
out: 9 h 12 min
